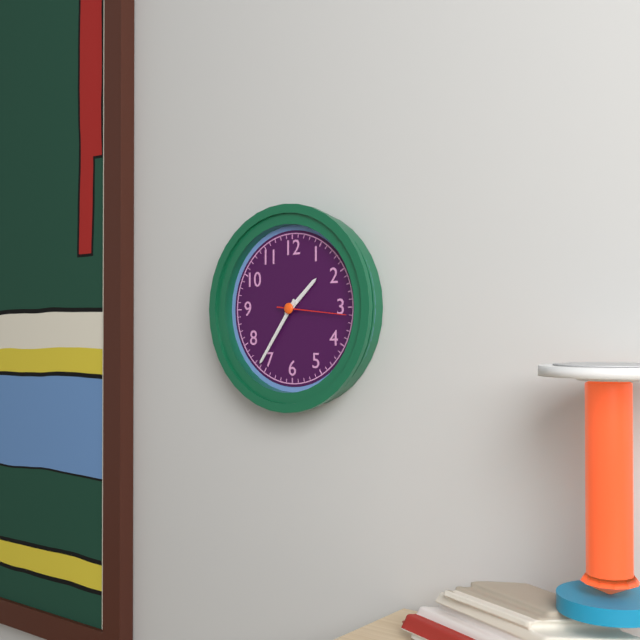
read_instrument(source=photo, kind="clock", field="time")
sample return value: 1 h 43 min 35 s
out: 1 h 36 min 16 s
